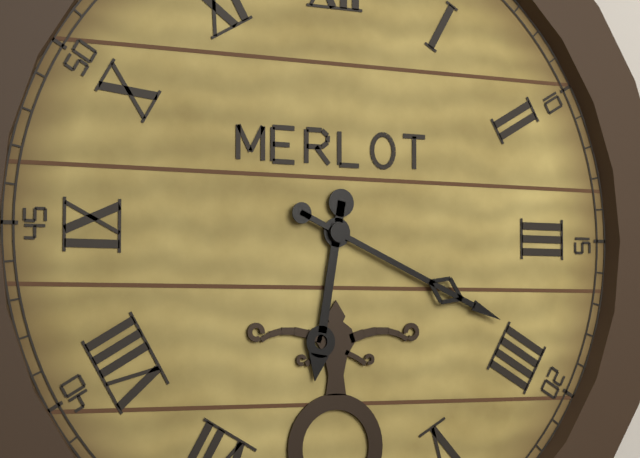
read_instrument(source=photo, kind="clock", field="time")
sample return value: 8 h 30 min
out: 6 h 19 min
